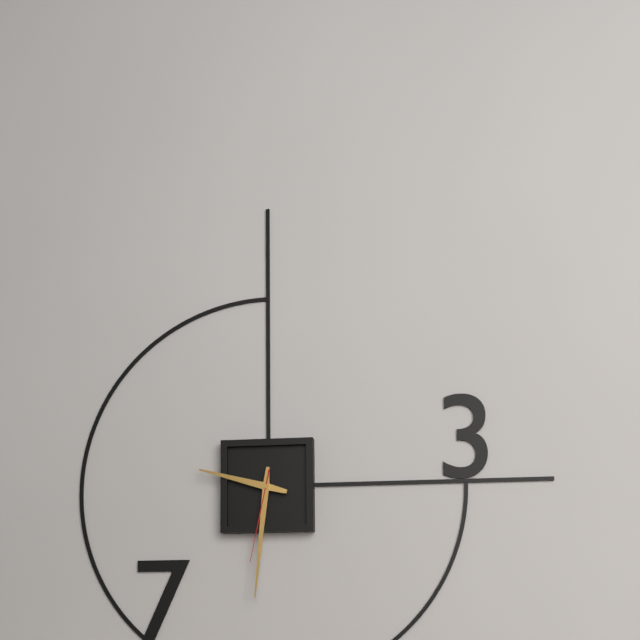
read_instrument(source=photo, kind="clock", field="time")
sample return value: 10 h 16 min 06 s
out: 9 h 31 min 32 s
